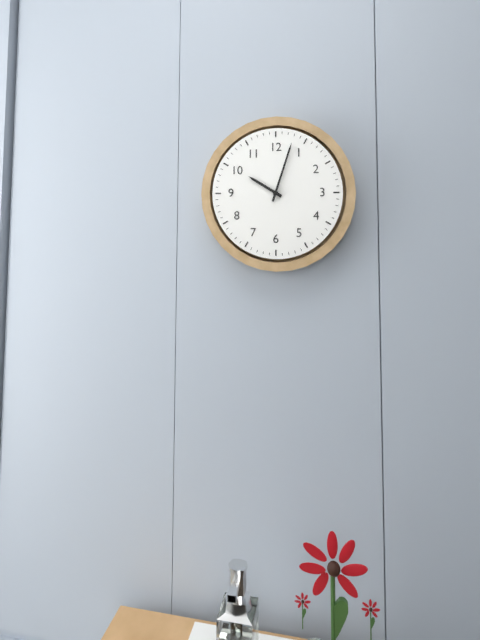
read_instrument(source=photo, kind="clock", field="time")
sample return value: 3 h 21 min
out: 10 h 03 min
